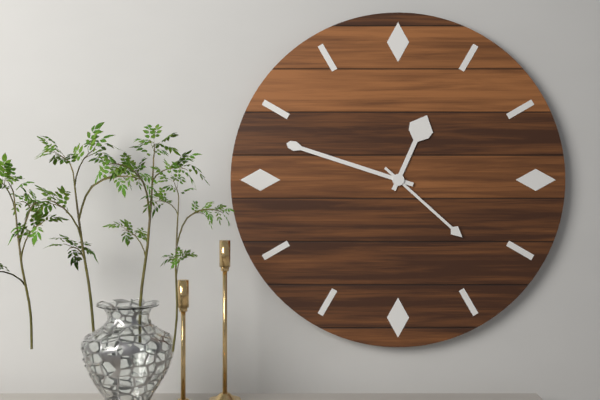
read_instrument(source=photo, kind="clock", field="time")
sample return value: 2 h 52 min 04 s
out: 12 h 48 min 22 s
